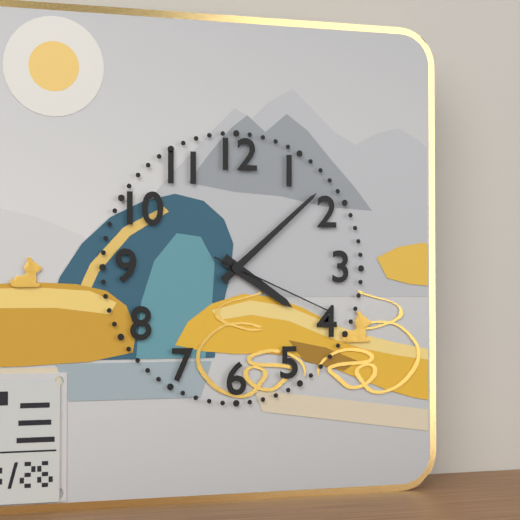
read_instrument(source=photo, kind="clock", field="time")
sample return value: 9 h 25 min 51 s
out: 4 h 08 min 19 s
